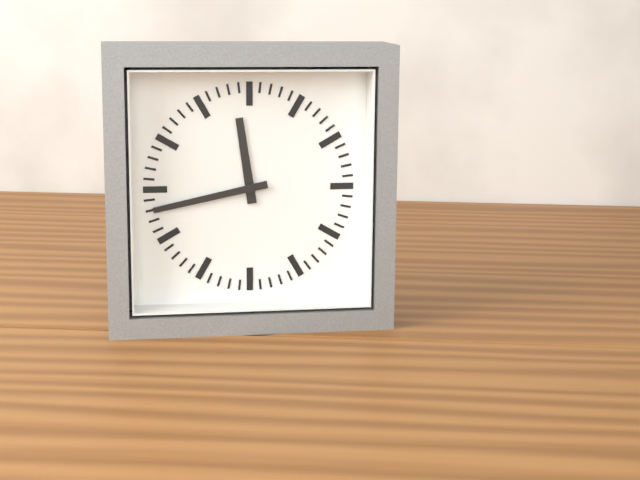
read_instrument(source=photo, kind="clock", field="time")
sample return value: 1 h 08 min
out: 11 h 43 min
